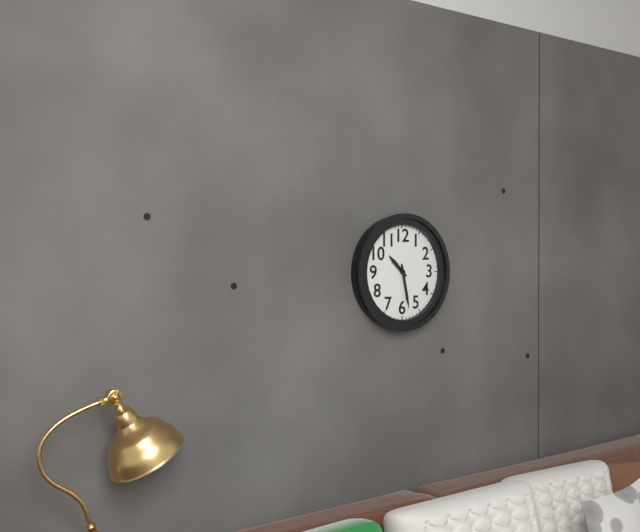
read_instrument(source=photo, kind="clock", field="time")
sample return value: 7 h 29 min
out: 10 h 28 min
